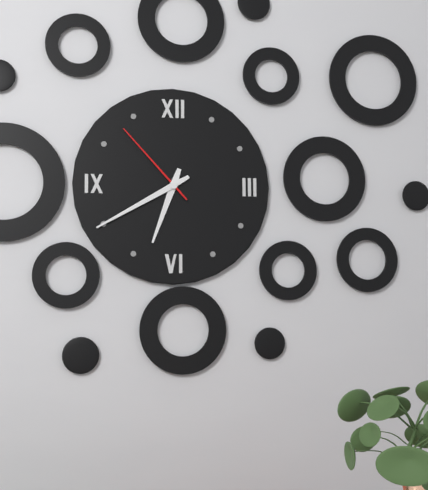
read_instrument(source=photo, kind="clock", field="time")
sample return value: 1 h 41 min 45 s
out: 6 h 40 min 53 s
